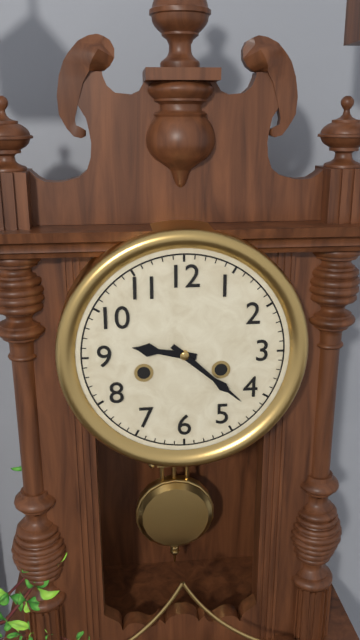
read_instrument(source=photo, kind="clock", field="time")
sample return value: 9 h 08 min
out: 9 h 22 min
